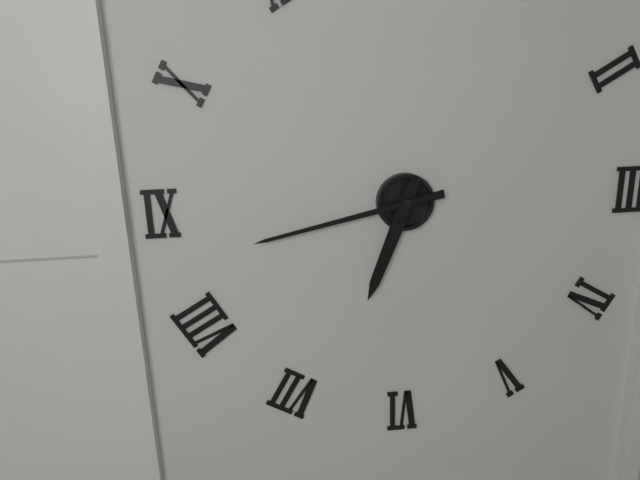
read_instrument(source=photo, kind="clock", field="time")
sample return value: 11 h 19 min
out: 6 h 43 min
